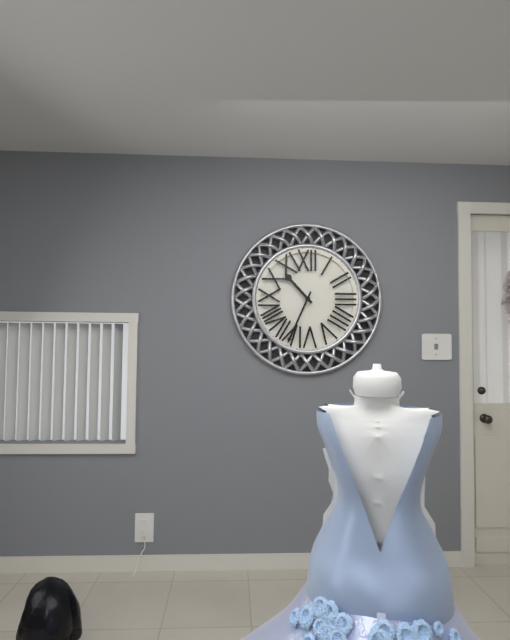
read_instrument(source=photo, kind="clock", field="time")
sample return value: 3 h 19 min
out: 10 h 34 min
